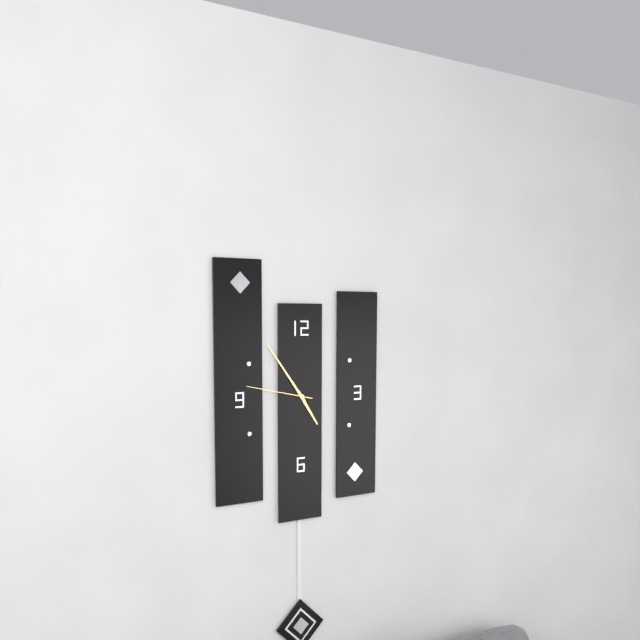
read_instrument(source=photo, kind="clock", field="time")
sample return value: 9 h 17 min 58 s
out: 4 h 54 min 47 s
